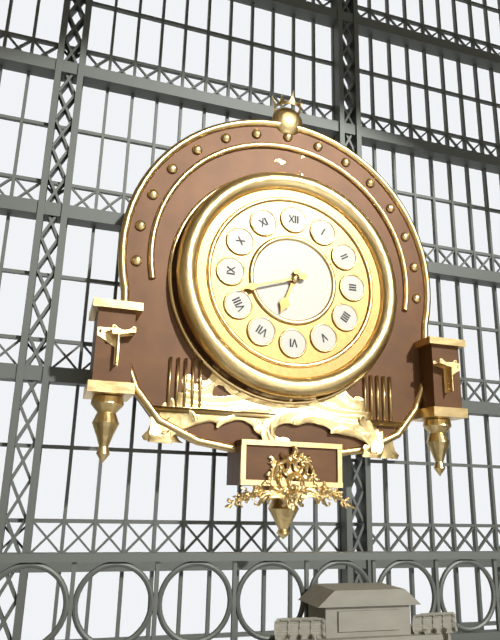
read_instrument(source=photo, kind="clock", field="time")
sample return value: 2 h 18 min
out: 6 h 42 min
